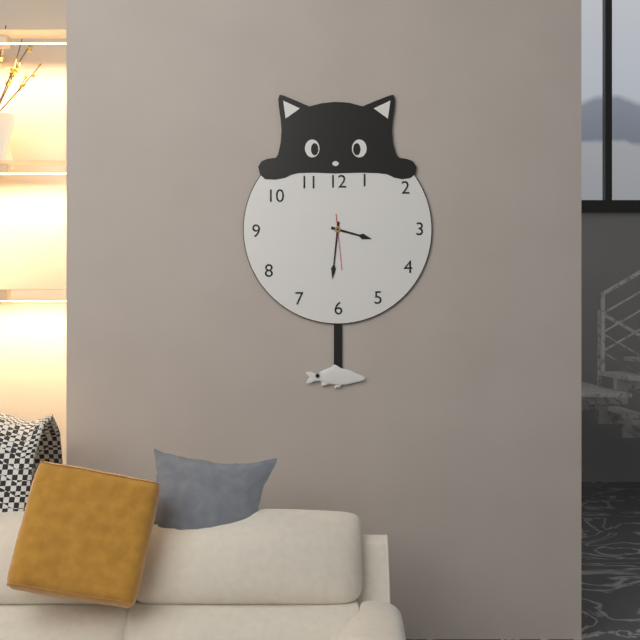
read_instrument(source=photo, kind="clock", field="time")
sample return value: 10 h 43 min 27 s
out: 3 h 31 min 29 s
